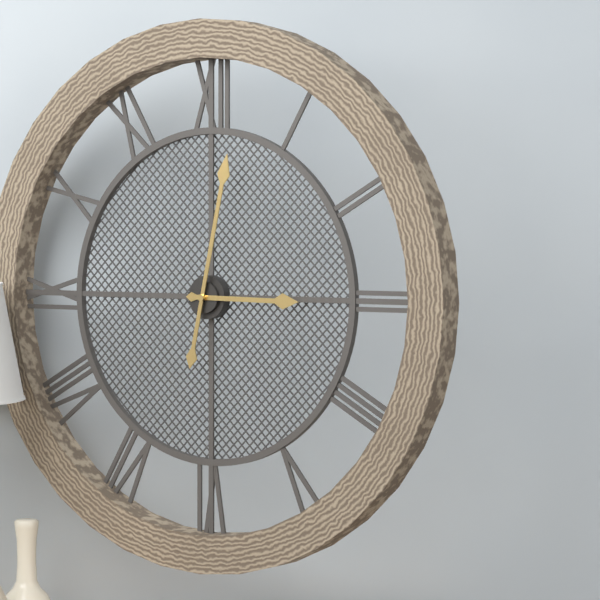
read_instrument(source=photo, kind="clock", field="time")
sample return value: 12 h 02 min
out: 3 h 02 min
